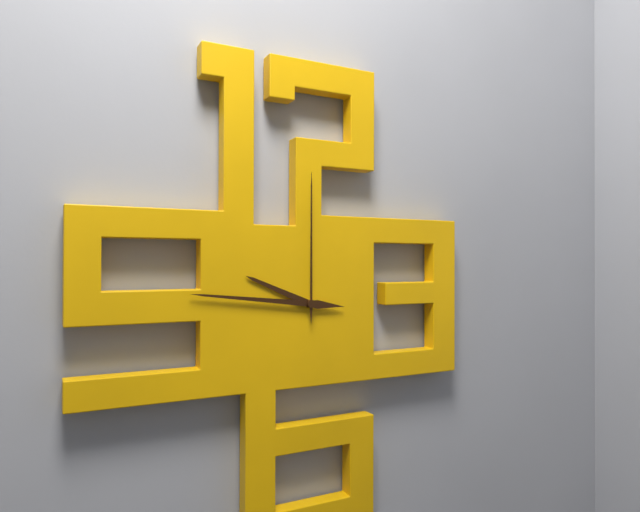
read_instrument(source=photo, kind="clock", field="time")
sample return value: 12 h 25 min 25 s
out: 9 h 46 min 00 s
